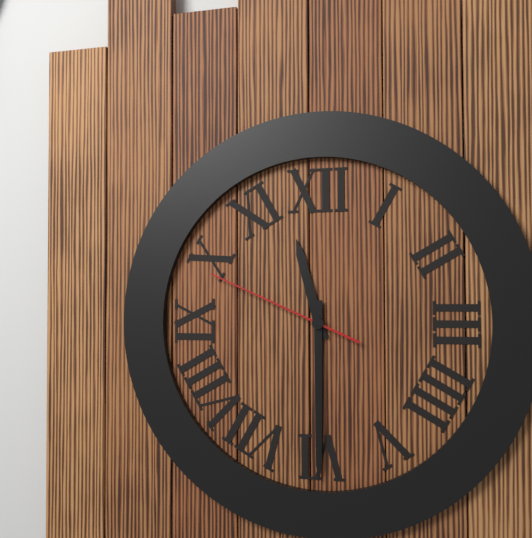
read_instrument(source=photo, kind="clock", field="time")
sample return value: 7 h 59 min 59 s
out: 11 h 30 min 49 s
